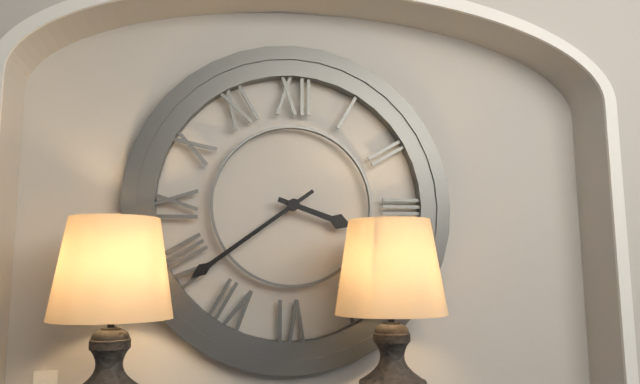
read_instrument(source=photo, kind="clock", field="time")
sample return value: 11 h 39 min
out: 3 h 39 min
